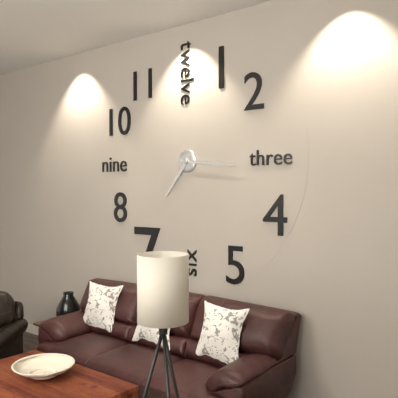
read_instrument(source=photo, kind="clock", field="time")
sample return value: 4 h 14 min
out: 7 h 16 min
